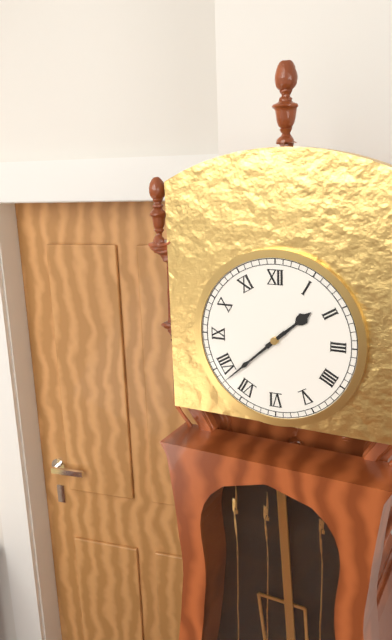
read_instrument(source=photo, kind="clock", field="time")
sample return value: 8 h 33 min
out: 1 h 38 min
